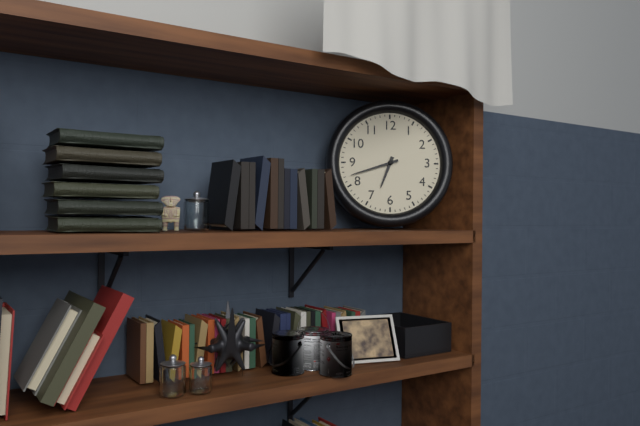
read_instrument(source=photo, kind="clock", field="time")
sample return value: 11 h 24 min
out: 6 h 42 min
